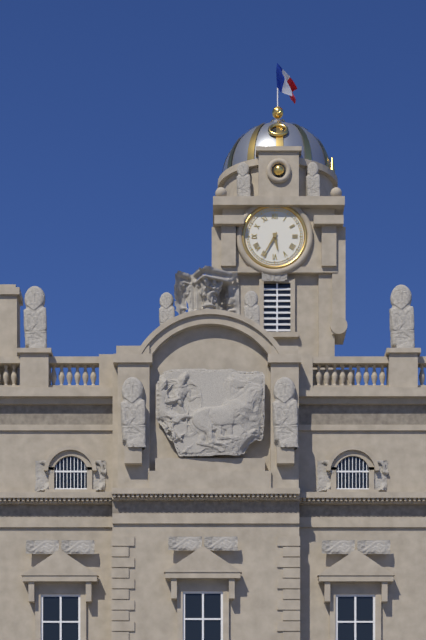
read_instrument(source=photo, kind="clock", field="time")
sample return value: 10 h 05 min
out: 5 h 35 min
